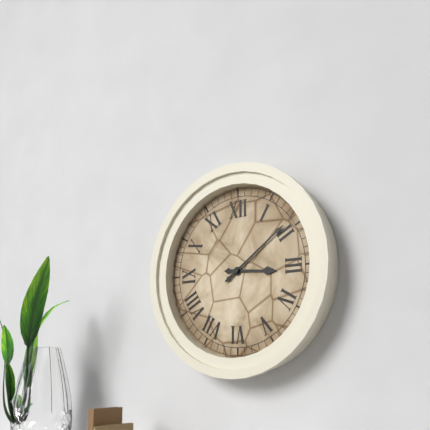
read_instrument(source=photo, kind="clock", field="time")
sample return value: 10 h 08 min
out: 3 h 09 min
